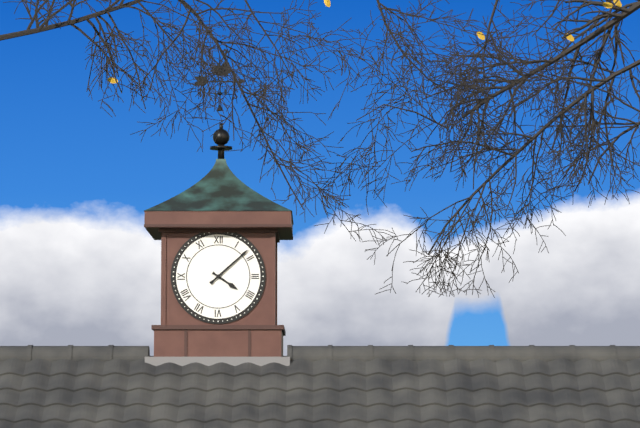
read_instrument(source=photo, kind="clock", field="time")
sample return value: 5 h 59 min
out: 4 h 08 min
